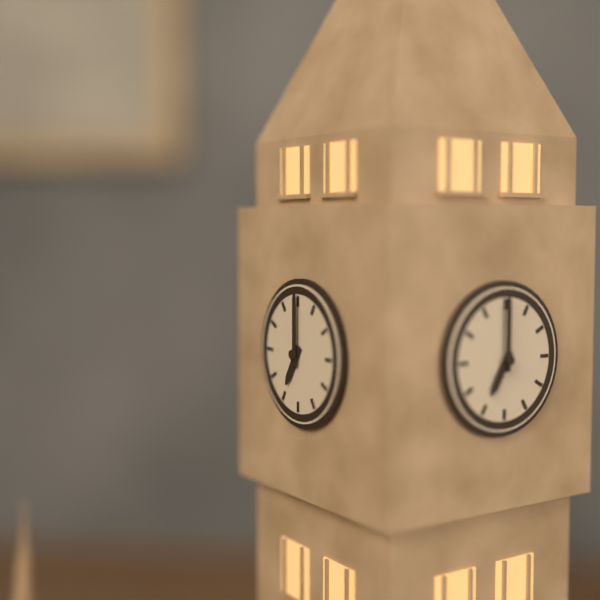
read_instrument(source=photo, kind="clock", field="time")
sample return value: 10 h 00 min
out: 7 h 00 min
